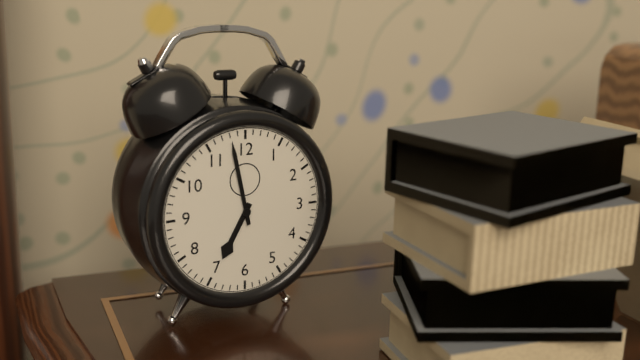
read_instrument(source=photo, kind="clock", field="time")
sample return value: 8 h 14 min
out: 6 h 58 min
